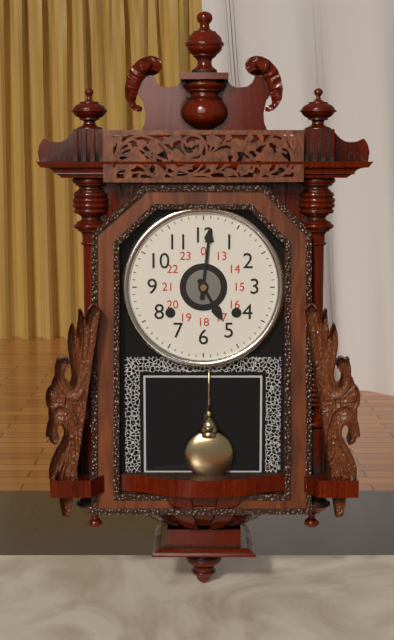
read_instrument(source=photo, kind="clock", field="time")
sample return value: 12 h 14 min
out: 5 h 01 min
